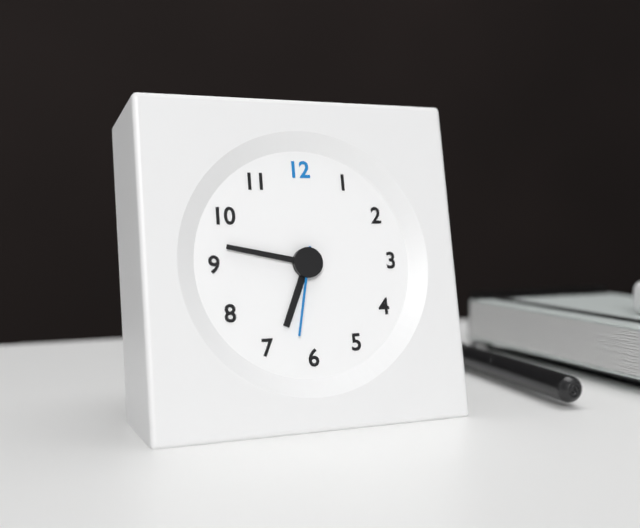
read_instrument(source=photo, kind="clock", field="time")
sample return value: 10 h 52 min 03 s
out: 6 h 47 min 32 s
